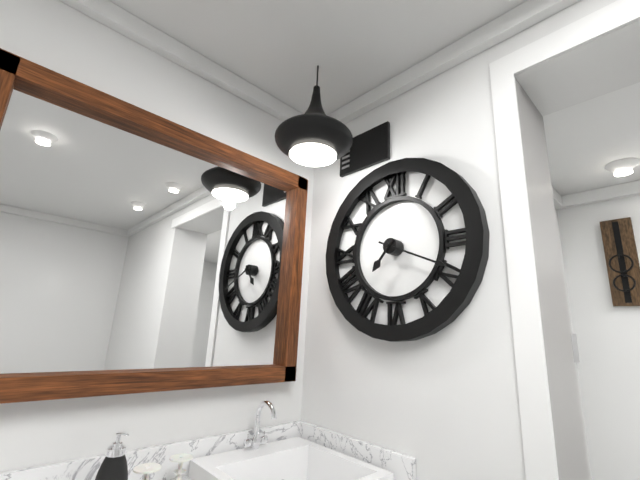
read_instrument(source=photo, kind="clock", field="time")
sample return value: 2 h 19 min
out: 7 h 19 min
